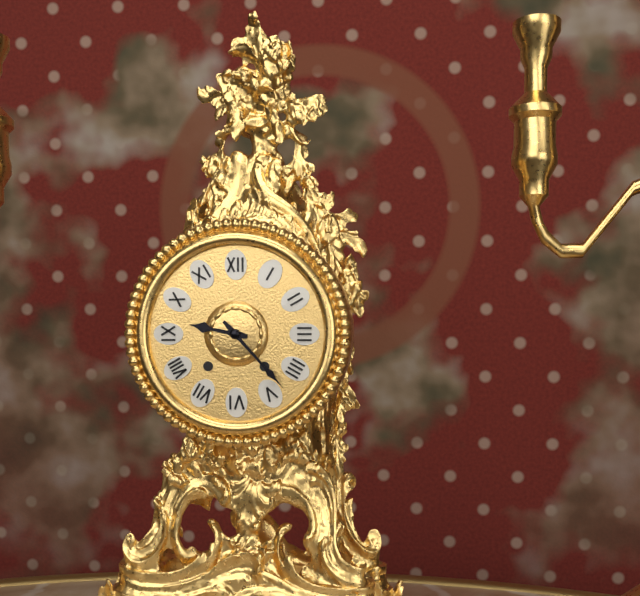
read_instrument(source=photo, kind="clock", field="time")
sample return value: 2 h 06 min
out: 9 h 23 min
